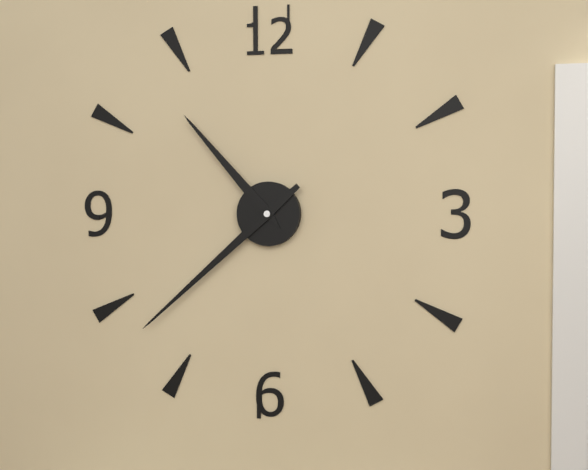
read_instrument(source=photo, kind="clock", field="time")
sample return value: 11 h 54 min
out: 10 h 38 min
